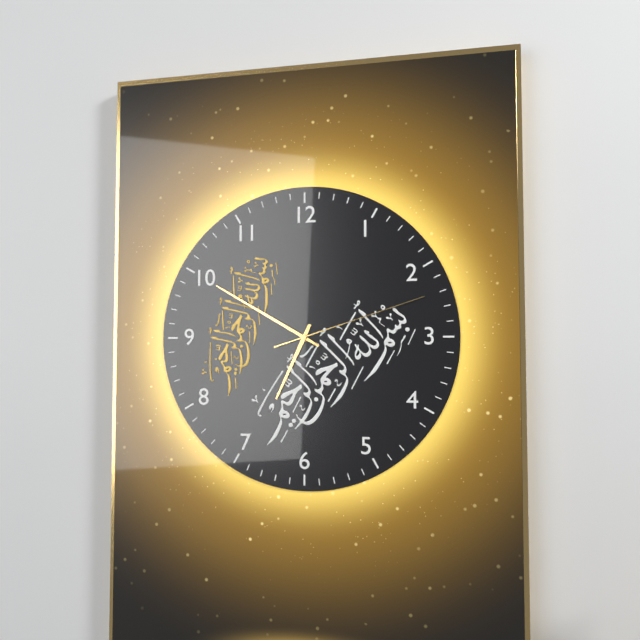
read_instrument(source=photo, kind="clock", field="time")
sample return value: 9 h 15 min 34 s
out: 6 h 50 min 12 s
